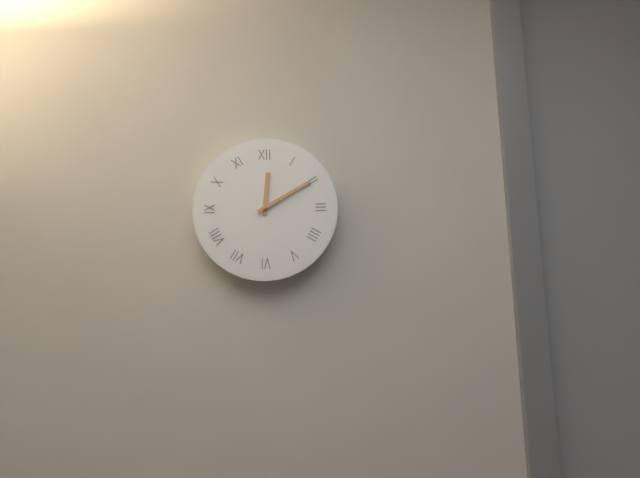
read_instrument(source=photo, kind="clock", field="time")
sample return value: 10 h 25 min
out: 12 h 10 min
